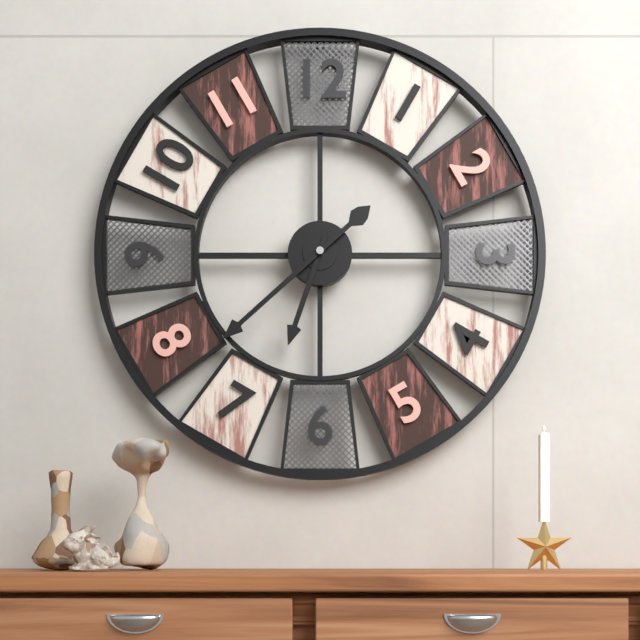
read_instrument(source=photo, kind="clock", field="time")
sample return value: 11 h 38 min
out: 6 h 38 min
